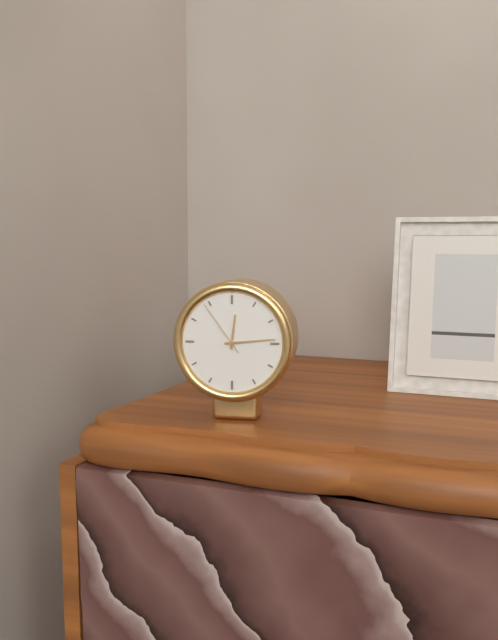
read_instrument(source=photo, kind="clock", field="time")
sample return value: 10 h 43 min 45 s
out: 12 h 14 min 54 s
